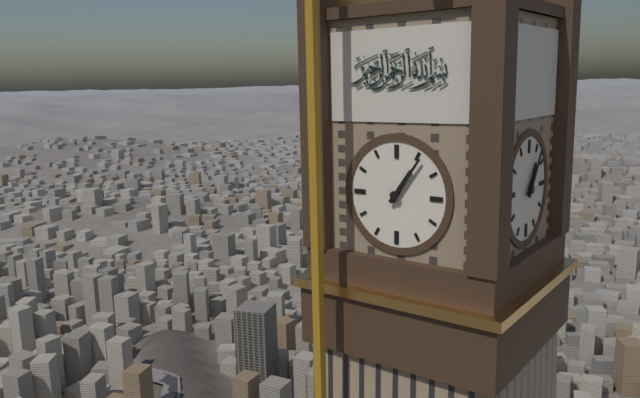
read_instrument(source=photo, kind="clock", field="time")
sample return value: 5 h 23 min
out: 1 h 06 min
